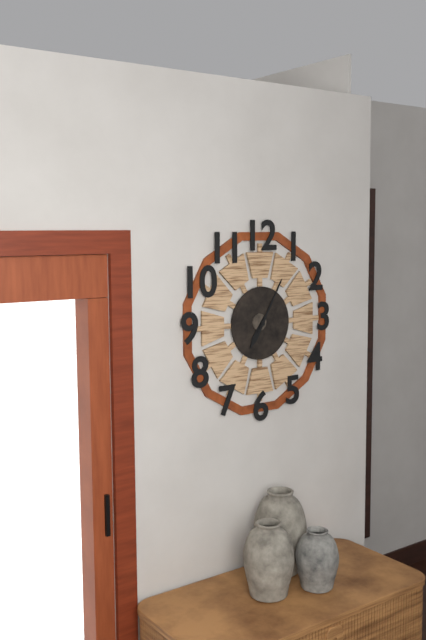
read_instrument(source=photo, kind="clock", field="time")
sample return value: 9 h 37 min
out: 7 h 05 min
